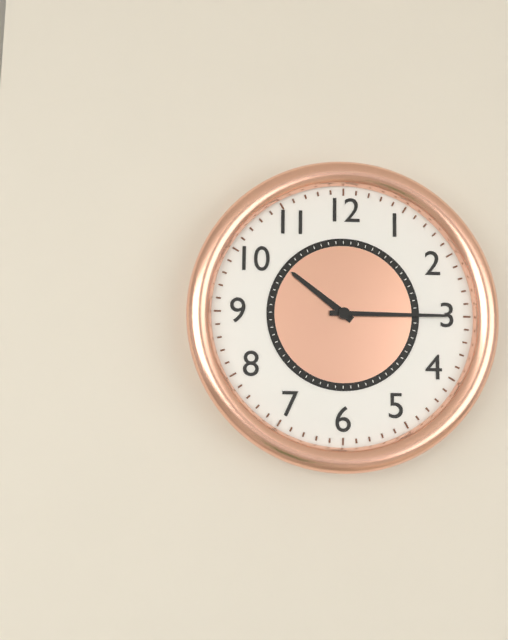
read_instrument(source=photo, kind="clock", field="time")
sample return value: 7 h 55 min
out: 10 h 15 min
